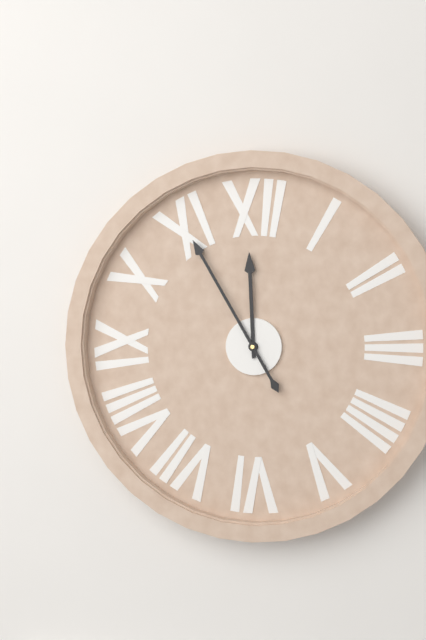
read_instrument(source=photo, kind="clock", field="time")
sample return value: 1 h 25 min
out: 11 h 55 min
